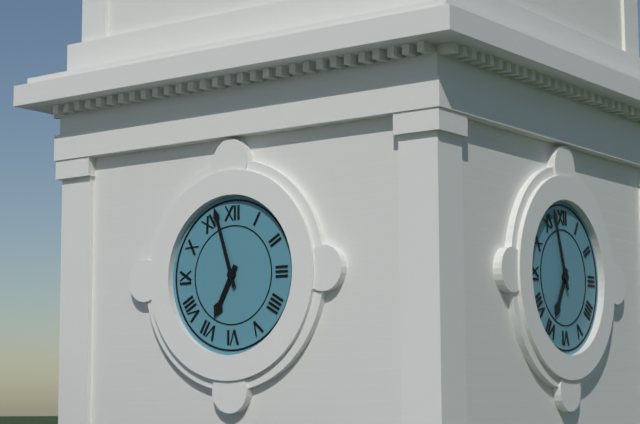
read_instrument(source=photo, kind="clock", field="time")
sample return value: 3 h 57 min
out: 6 h 57 min
